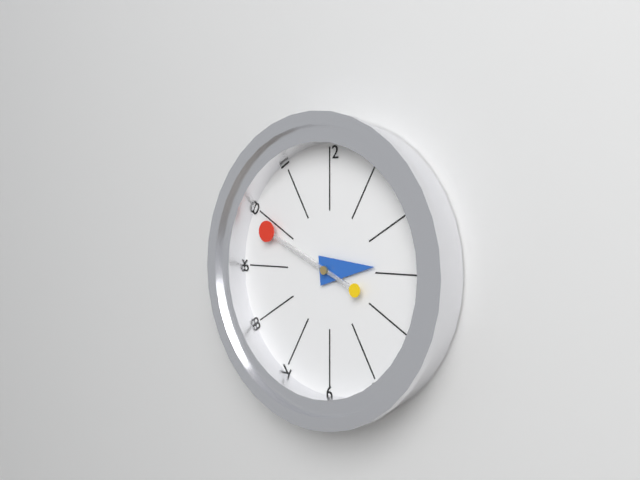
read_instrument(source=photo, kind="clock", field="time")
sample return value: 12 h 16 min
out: 2 h 49 min
